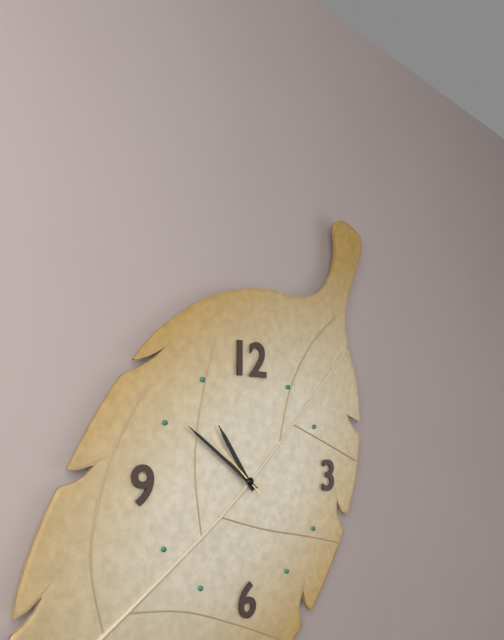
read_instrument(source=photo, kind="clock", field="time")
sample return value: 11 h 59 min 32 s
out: 10 h 51 min 52 s
